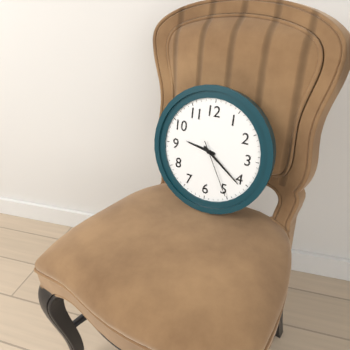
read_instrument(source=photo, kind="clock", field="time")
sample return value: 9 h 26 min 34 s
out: 9 h 21 min 25 s
